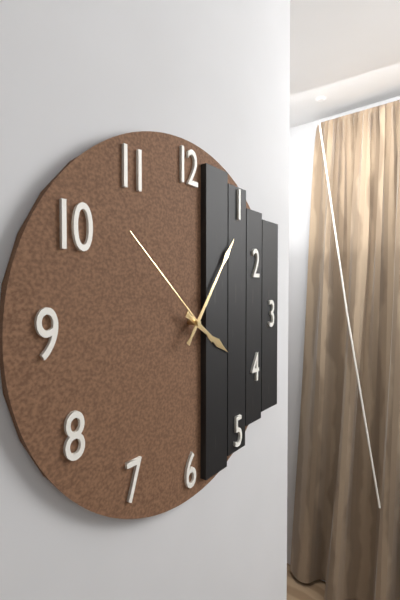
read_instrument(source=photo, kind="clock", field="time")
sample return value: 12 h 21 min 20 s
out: 4 h 06 min 52 s
